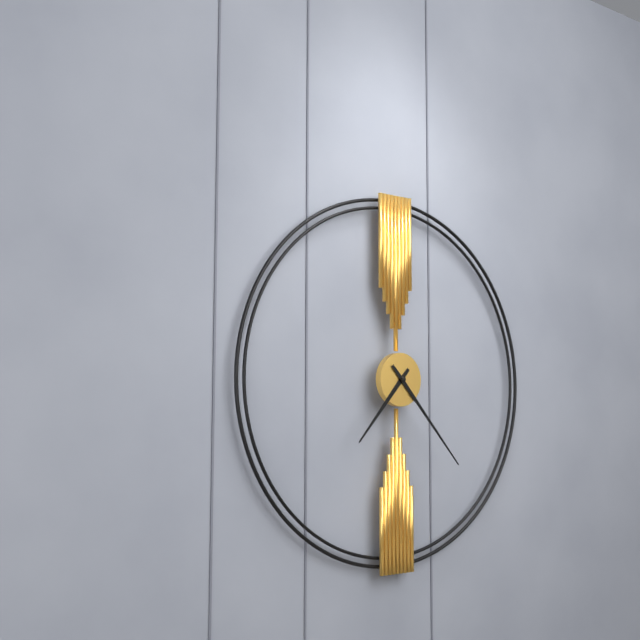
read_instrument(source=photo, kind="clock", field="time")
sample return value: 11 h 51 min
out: 7 h 23 min
